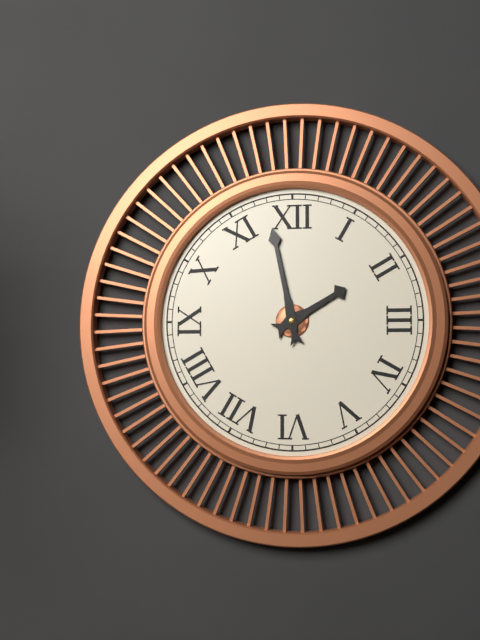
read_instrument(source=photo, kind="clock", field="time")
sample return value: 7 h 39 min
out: 1 h 58 min
